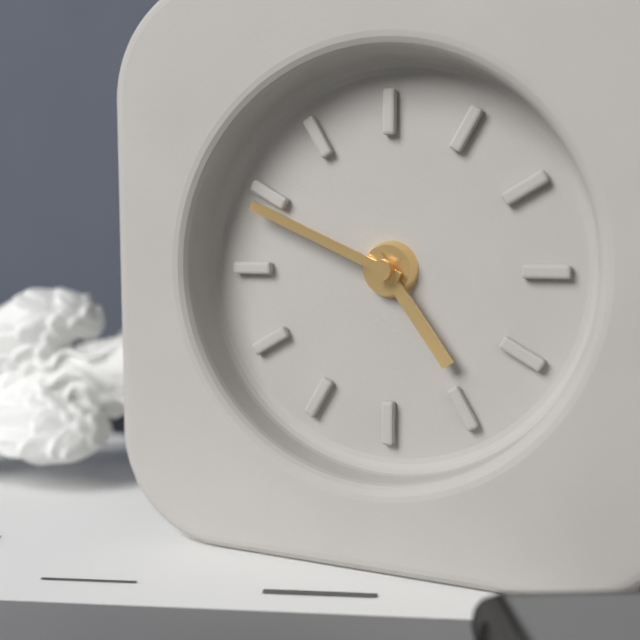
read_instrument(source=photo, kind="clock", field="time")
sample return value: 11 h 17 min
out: 4 h 49 min
